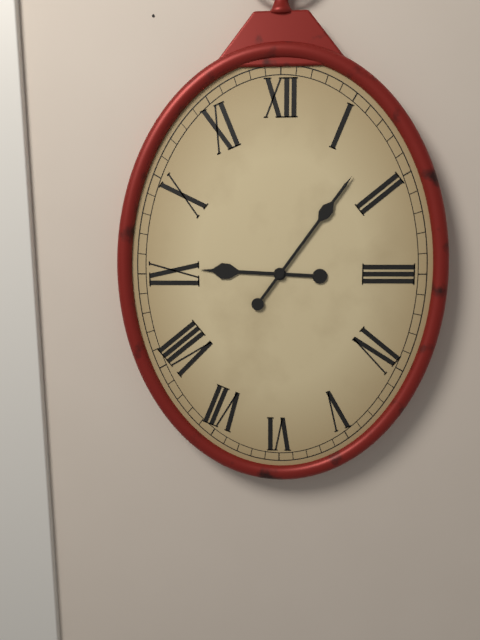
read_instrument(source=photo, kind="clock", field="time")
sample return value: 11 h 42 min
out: 9 h 06 min
